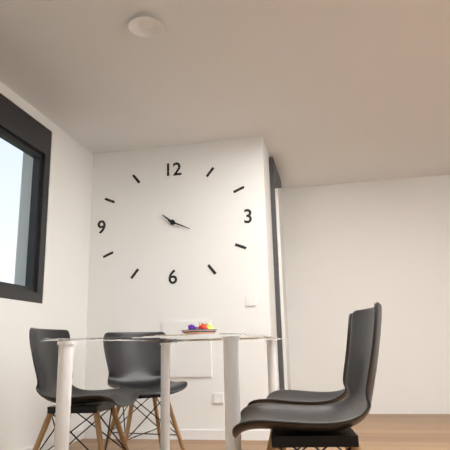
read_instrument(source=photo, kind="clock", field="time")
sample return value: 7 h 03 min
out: 10 h 19 min
